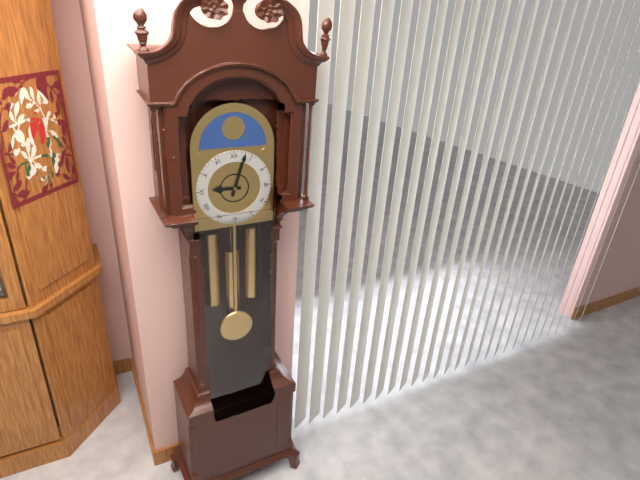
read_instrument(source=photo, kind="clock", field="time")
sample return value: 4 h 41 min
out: 9 h 03 min
